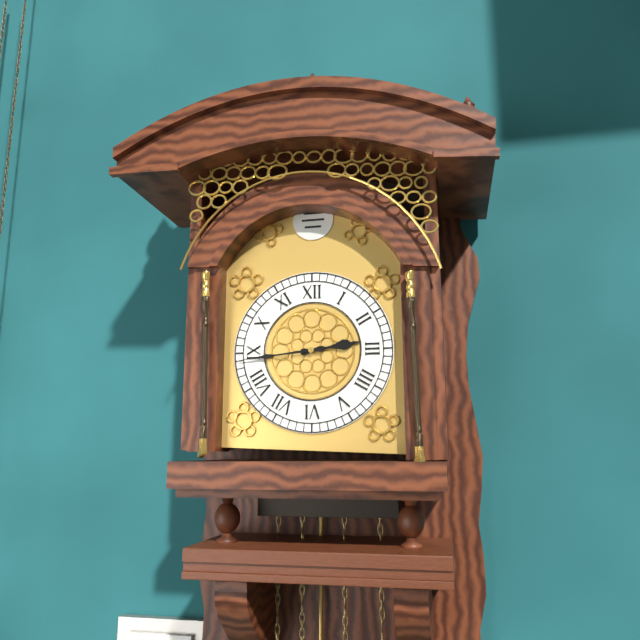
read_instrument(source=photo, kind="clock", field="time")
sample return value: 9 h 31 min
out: 2 h 44 min
